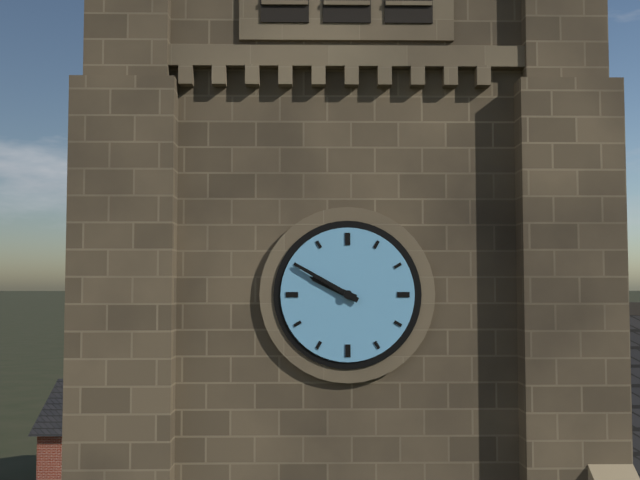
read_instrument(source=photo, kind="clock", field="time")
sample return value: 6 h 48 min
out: 9 h 50 min
